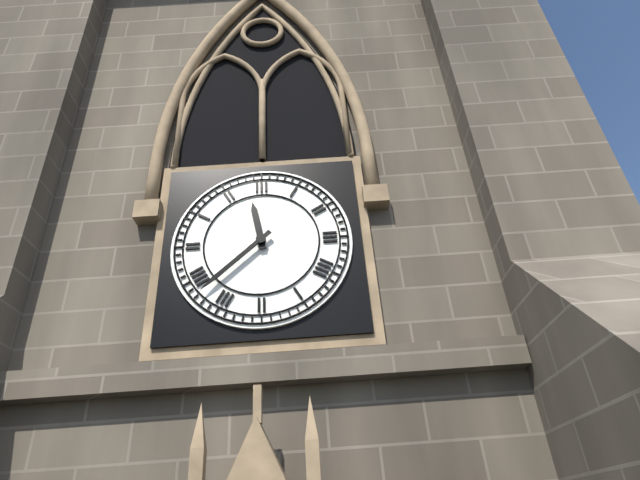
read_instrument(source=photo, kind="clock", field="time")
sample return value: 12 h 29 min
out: 11 h 38 min
